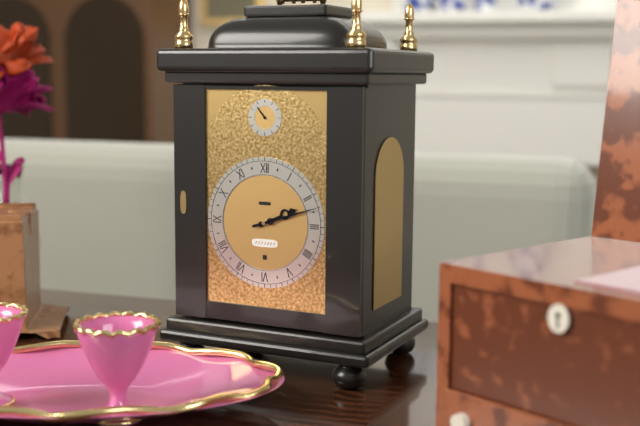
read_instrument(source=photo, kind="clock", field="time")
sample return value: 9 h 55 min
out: 2 h 12 min
